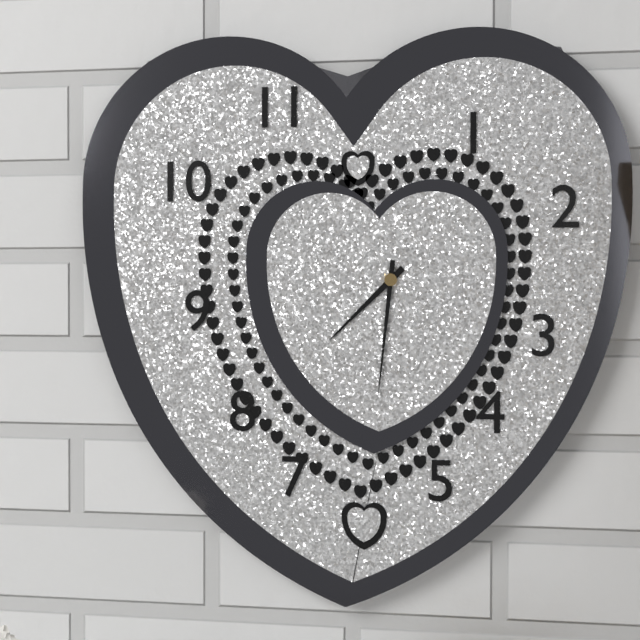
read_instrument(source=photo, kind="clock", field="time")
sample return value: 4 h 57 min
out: 7 h 31 min
